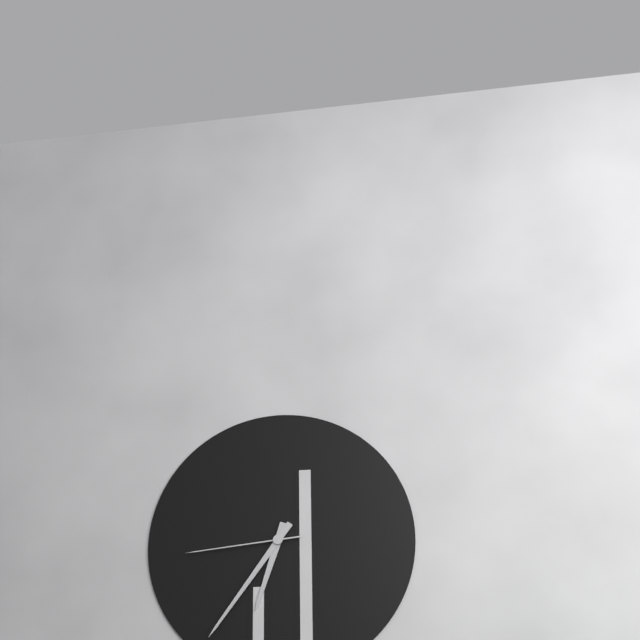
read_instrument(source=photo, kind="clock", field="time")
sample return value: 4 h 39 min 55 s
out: 6 h 36 min 44 s
